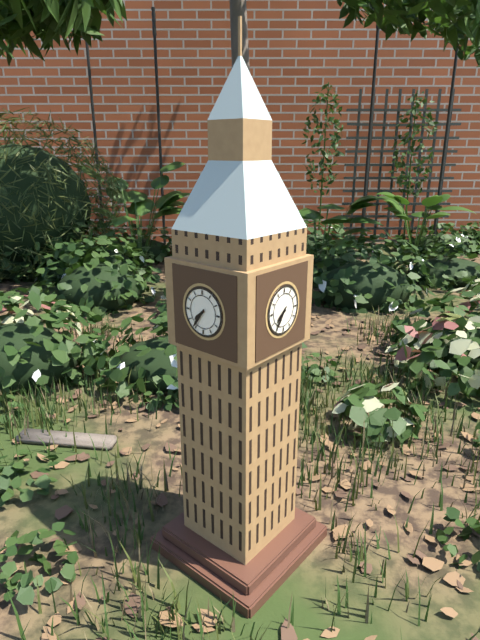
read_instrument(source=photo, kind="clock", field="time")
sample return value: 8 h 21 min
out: 7 h 36 min
